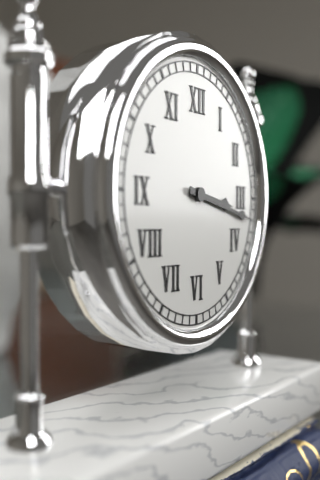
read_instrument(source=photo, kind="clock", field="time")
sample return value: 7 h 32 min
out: 3 h 17 min
